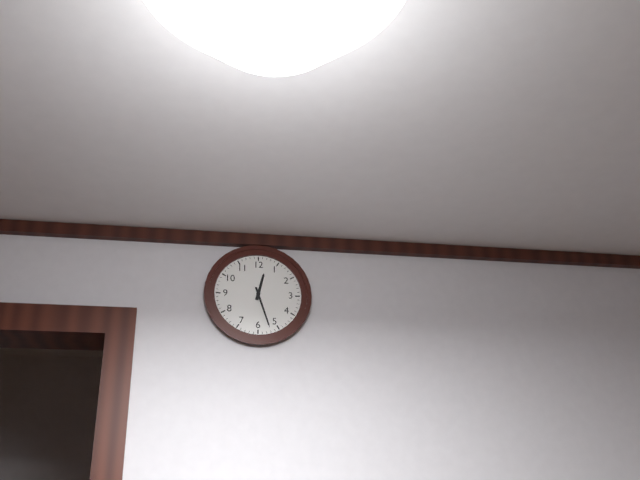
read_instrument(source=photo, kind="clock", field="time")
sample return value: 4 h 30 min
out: 12 h 27 min
